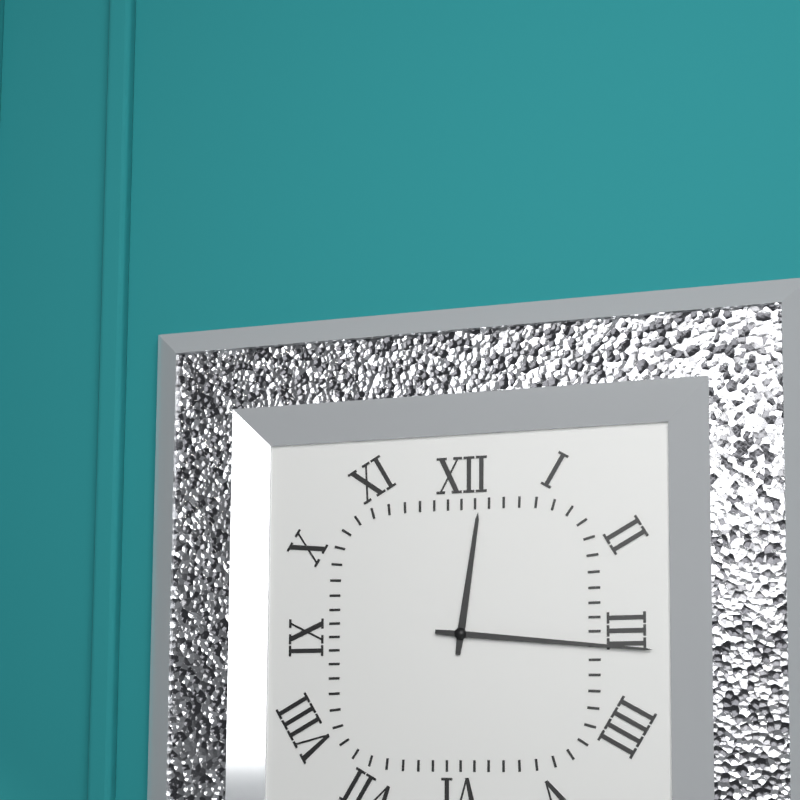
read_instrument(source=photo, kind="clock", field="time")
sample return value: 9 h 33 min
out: 12 h 16 min
